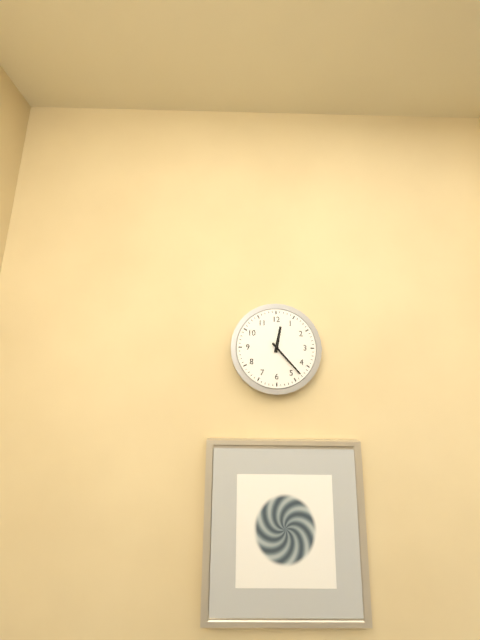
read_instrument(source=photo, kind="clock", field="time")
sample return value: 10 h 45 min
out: 12 h 23 min
